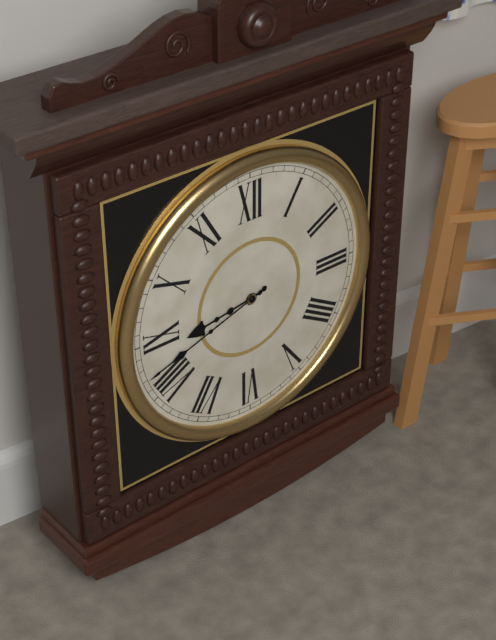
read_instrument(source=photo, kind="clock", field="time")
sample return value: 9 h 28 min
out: 8 h 42 min
